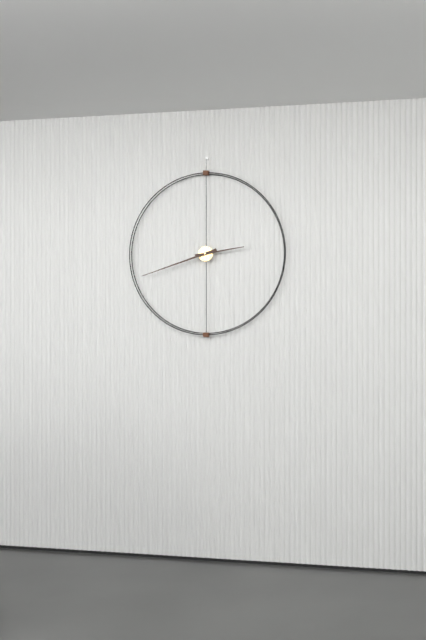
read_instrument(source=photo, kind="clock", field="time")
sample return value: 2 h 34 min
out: 2 h 42 min
